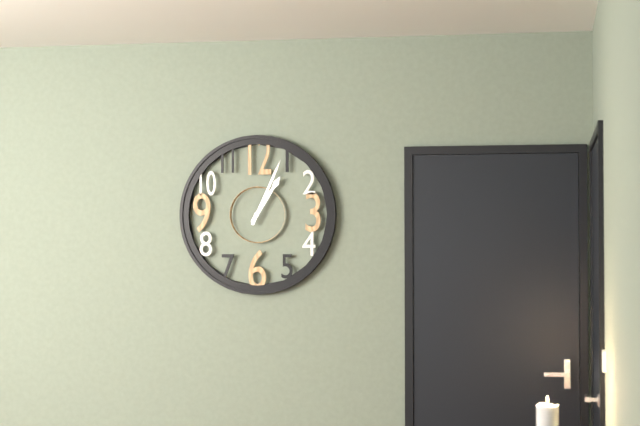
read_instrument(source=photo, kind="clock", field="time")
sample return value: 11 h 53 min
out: 1 h 04 min
